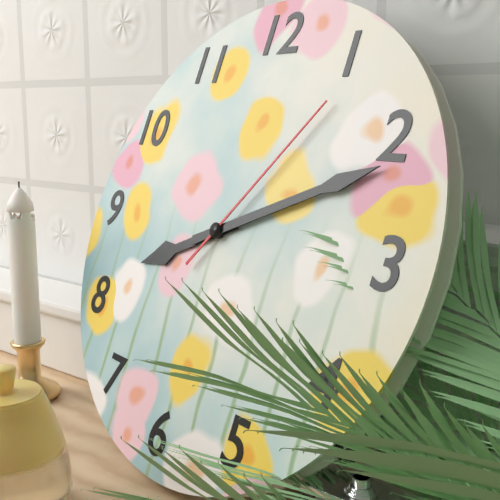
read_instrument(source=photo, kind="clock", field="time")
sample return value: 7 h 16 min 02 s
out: 8 h 11 min 06 s
